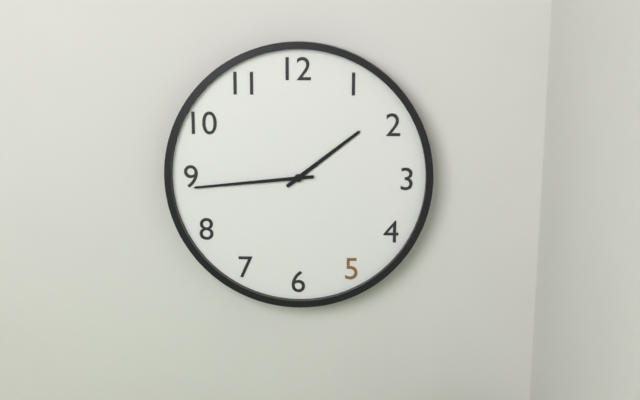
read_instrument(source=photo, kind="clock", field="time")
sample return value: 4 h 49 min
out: 1 h 44 min
